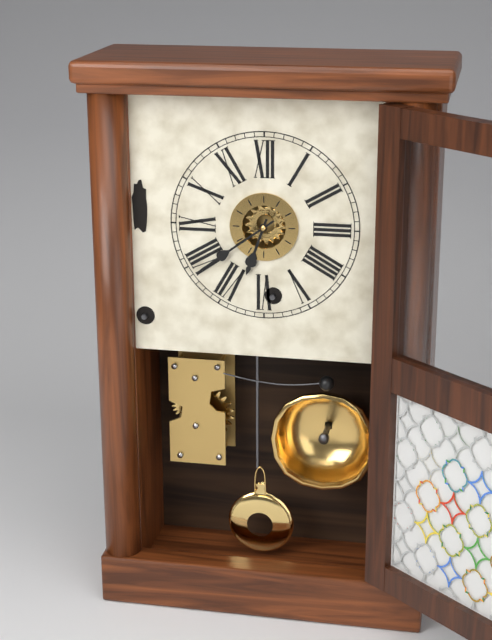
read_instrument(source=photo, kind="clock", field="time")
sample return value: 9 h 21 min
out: 6 h 39 min
